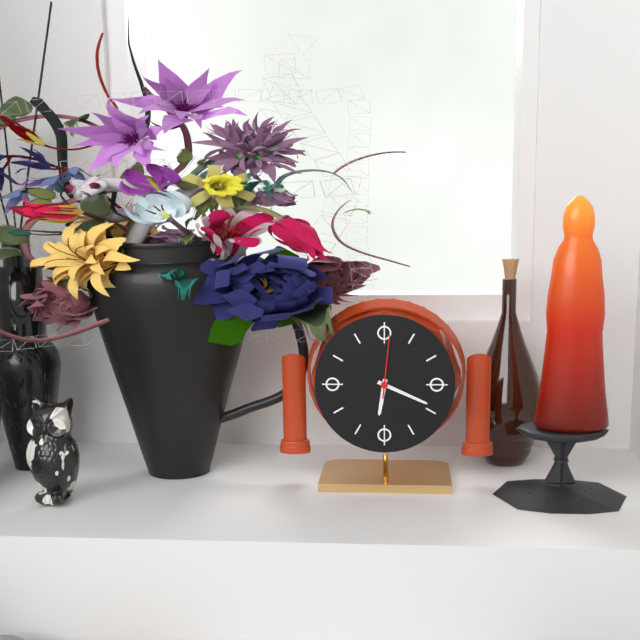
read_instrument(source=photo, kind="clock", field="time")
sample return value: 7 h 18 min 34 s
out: 6 h 19 min 01 s
